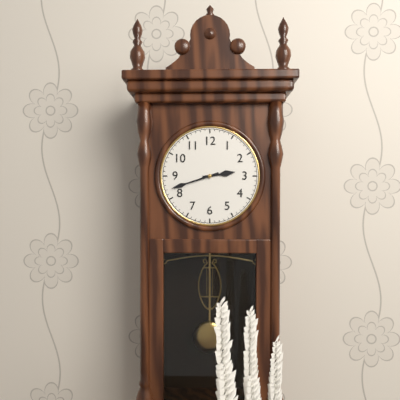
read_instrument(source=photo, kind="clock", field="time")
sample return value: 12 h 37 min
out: 2 h 42 min
